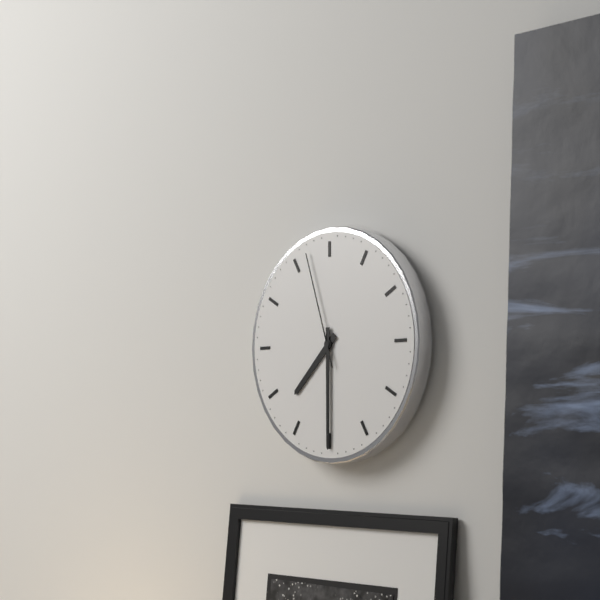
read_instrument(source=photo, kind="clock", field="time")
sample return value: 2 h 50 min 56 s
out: 7 h 30 min 57 s
